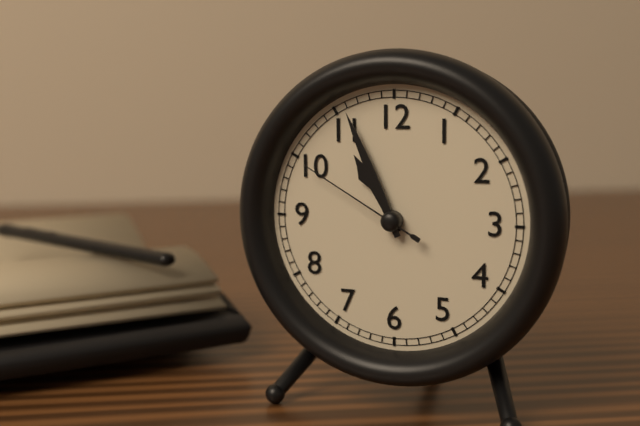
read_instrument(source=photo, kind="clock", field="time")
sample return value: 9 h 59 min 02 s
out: 10 h 56 min 50 s
